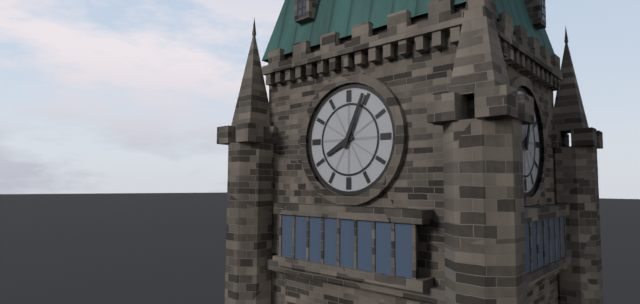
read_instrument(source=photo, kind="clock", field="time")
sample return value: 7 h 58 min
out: 8 h 04 min
